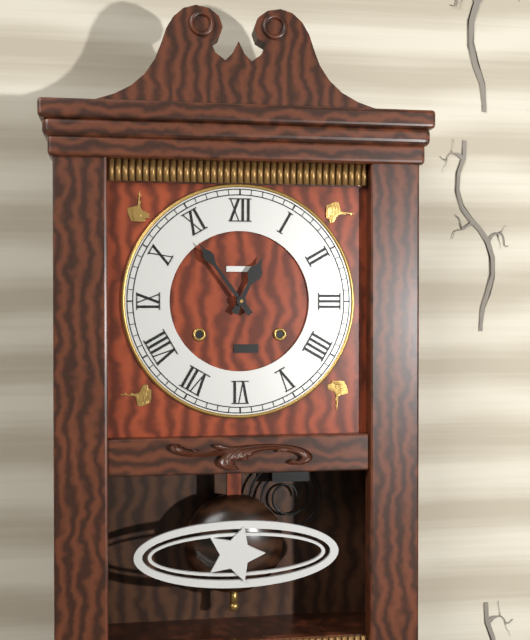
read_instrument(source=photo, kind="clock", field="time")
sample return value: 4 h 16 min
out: 12 h 54 min
